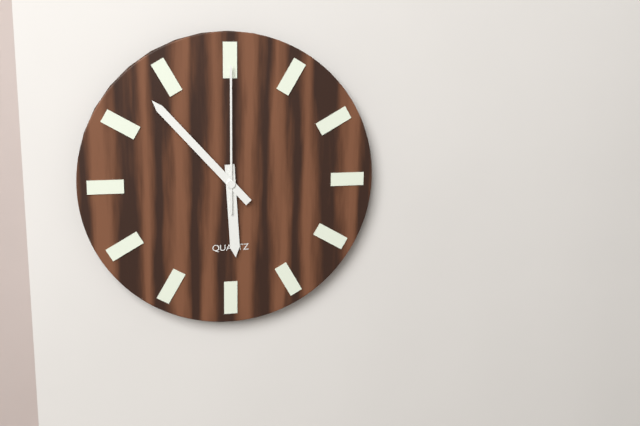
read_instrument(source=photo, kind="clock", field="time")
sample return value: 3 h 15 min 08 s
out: 5 h 53 min 00 s
